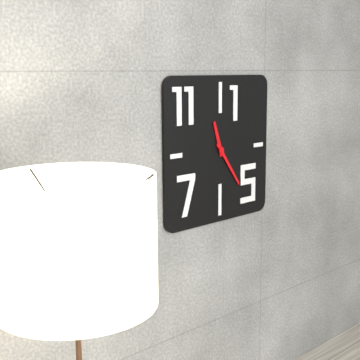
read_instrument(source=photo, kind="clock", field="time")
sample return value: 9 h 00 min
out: 11 h 24 min
